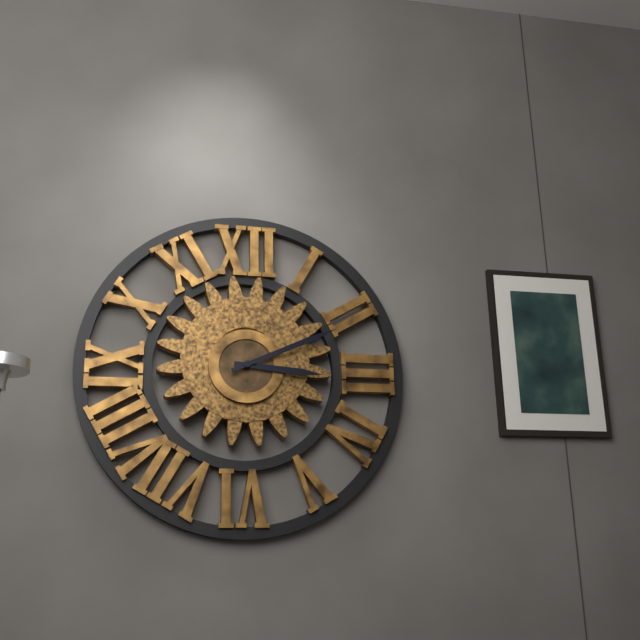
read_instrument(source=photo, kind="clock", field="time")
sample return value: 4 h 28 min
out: 3 h 11 min
